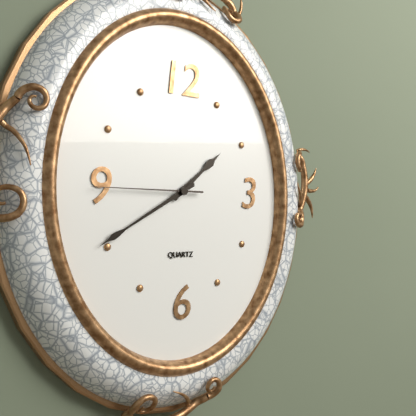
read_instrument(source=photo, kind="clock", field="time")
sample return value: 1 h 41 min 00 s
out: 1 h 40 min 45 s
